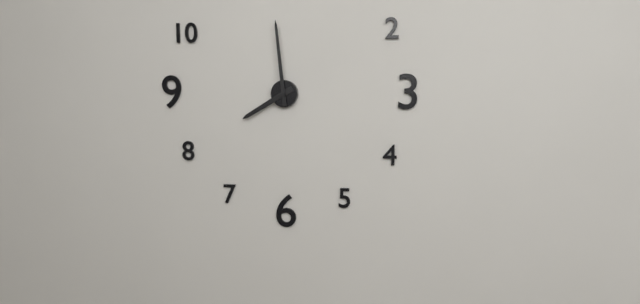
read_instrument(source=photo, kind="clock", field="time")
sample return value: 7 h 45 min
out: 7 h 59 min
